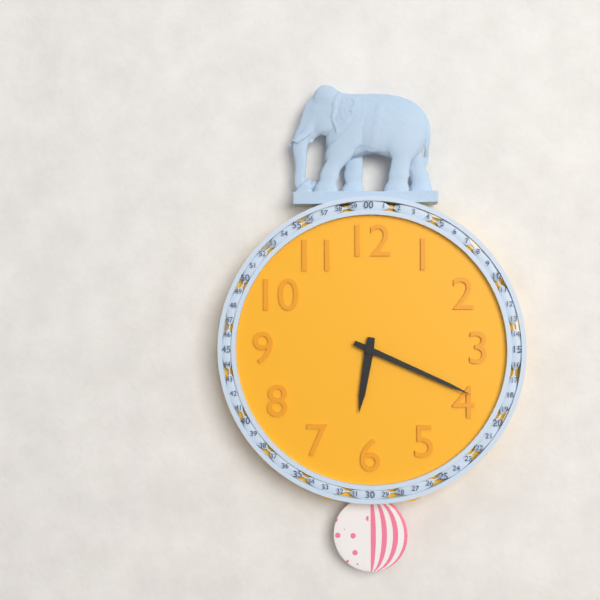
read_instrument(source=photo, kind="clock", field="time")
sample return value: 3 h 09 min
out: 6 h 19 min
